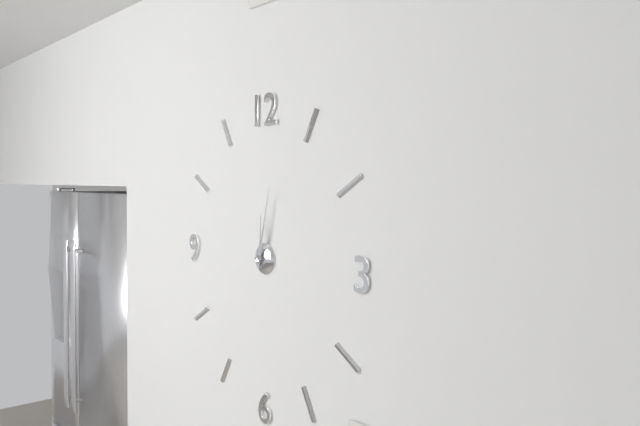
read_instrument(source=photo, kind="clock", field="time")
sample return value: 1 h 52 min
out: 12 h 02 min
